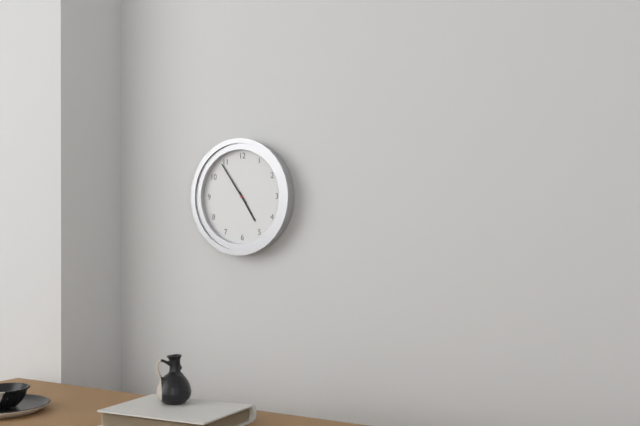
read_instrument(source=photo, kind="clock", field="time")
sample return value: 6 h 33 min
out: 4 h 54 min
